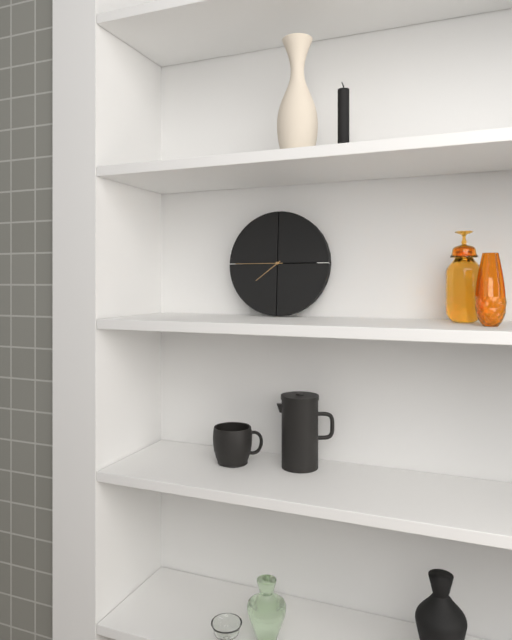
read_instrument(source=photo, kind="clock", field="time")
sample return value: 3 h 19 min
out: 7 h 45 min
